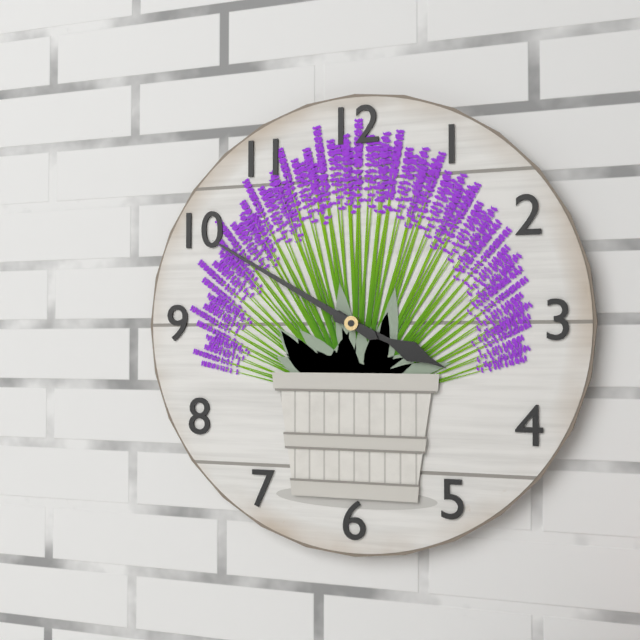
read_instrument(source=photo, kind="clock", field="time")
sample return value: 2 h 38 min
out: 3 h 50 min
